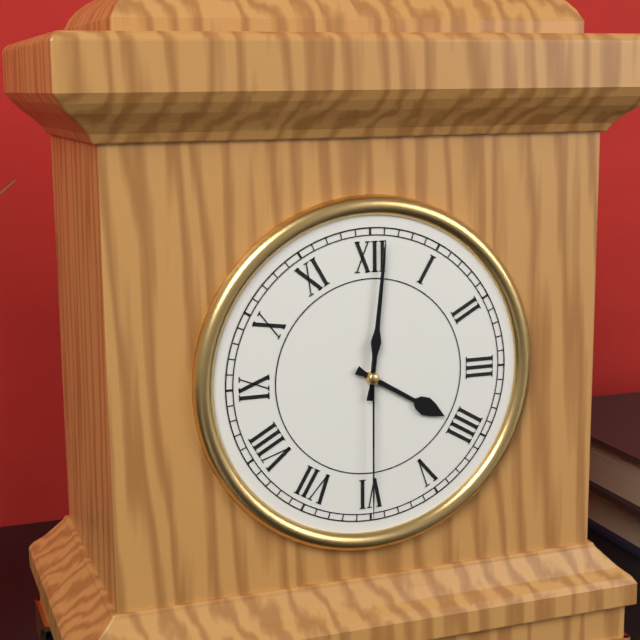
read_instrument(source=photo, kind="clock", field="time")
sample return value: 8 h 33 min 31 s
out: 4 h 01 min 30 s
